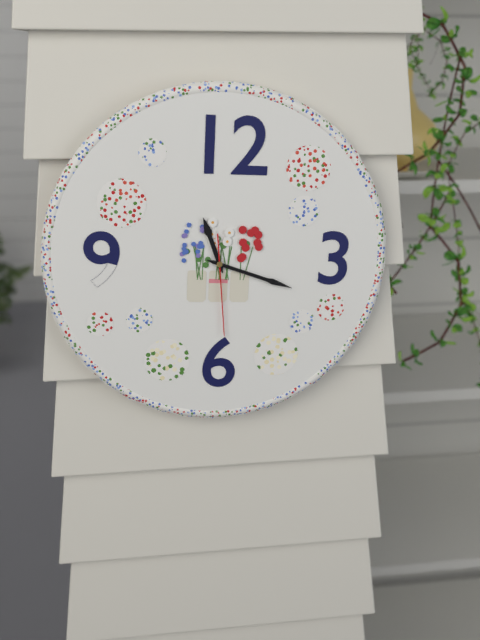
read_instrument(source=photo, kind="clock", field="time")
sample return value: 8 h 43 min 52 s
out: 11 h 18 min 29 s
